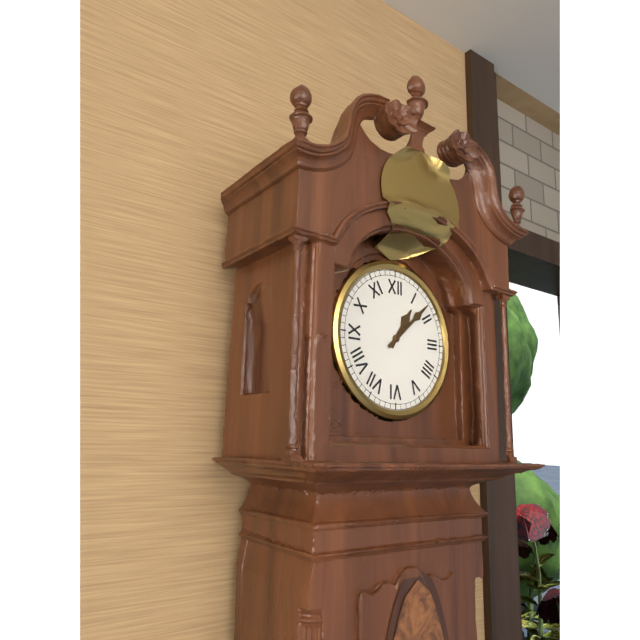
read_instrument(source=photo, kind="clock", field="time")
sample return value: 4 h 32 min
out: 1 h 08 min
